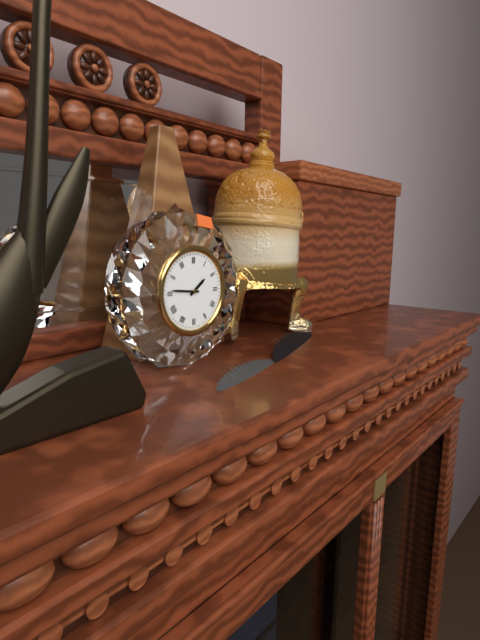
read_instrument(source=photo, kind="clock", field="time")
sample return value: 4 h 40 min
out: 1 h 46 min
